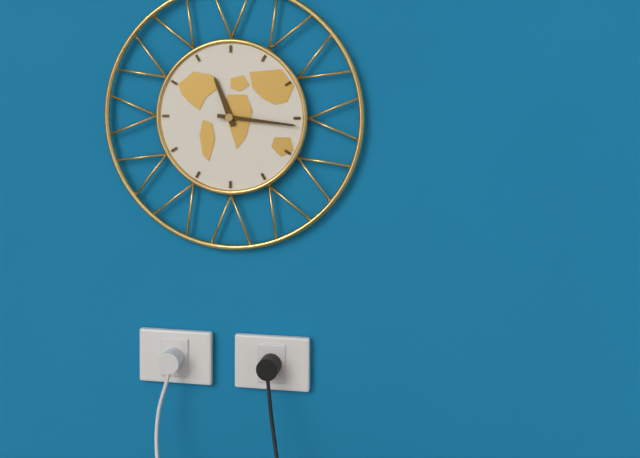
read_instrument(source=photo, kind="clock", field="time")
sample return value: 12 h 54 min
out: 11 h 16 min
